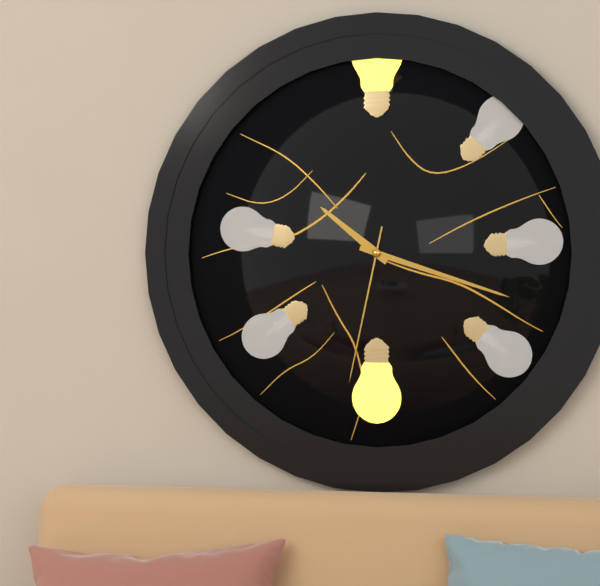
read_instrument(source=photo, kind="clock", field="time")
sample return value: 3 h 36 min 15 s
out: 10 h 18 min 32 s
